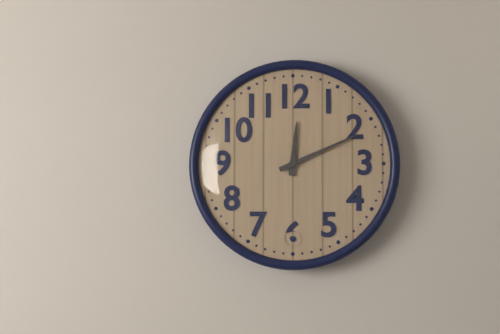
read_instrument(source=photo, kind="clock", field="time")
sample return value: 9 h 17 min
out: 12 h 11 min
